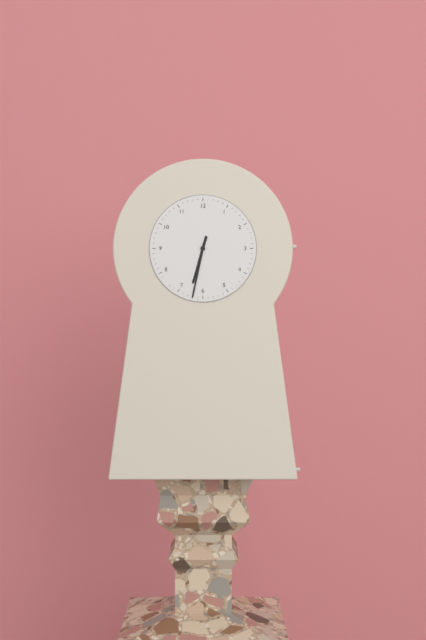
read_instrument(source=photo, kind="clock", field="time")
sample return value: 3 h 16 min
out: 6 h 32 min
